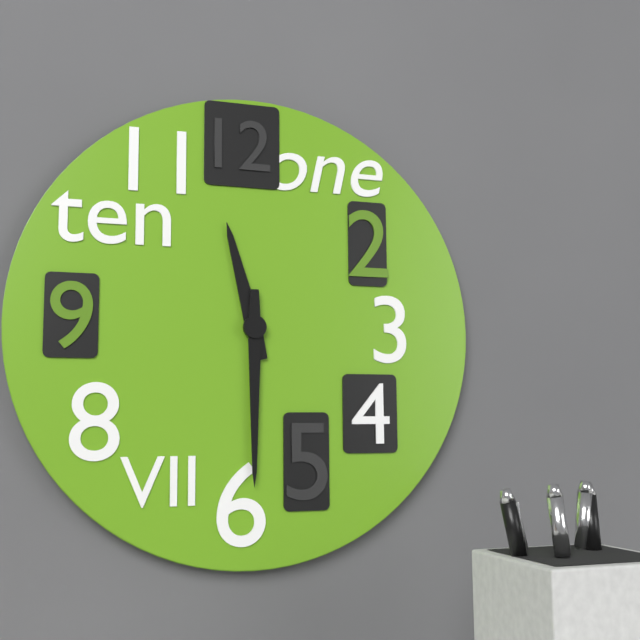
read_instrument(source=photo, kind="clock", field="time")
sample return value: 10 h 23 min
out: 11 h 30 min
